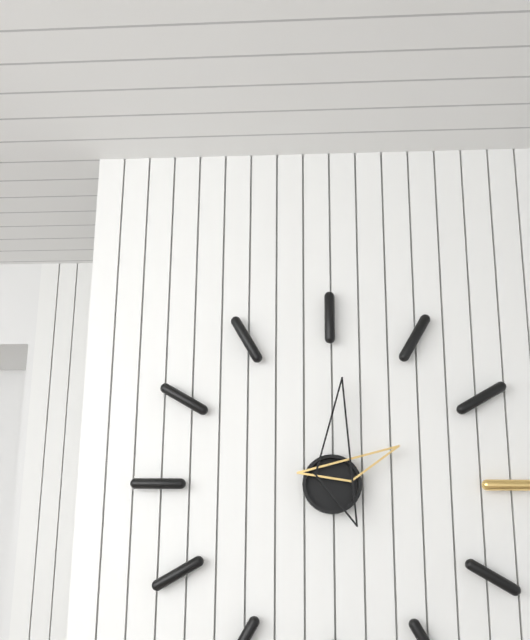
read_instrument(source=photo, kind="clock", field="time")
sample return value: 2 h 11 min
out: 2 h 01 min
